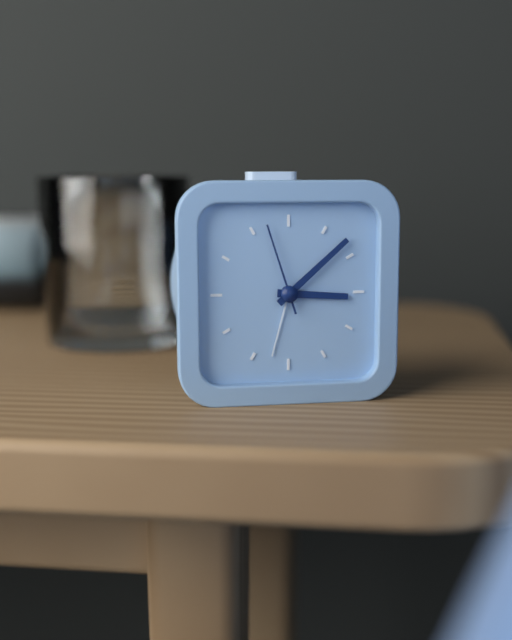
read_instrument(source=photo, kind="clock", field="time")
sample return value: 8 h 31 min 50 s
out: 3 h 08 min 57 s
